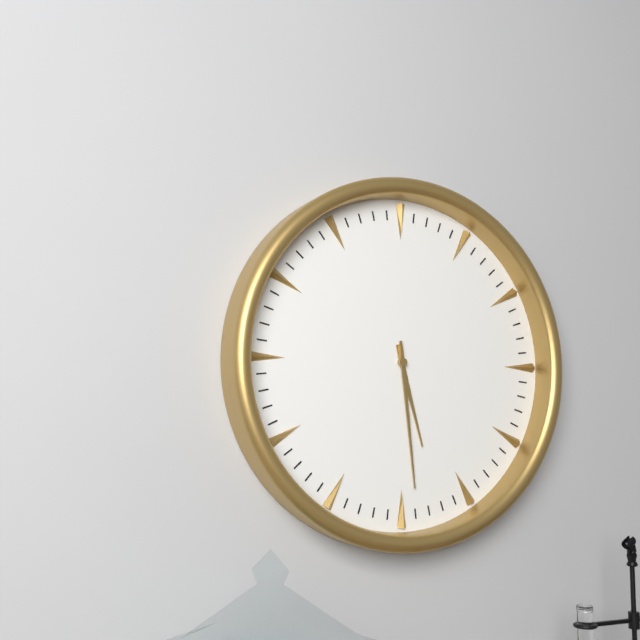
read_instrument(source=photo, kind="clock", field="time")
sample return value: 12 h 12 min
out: 5 h 29 min
